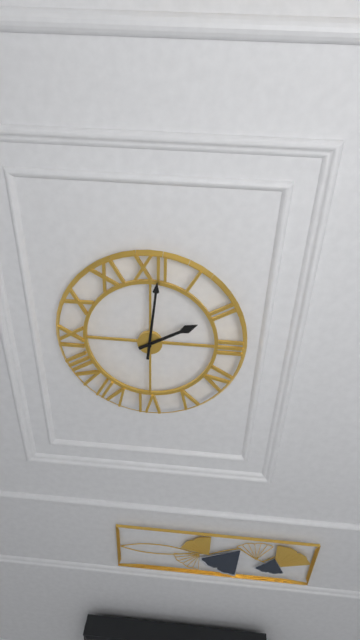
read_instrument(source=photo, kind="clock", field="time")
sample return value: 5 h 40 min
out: 2 h 01 min
